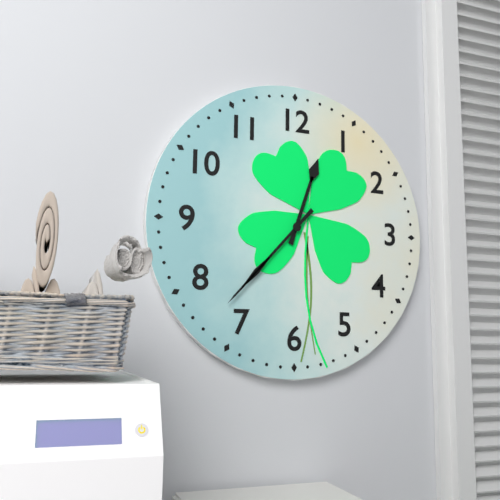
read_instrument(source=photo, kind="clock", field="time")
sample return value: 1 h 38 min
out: 12 h 37 min
